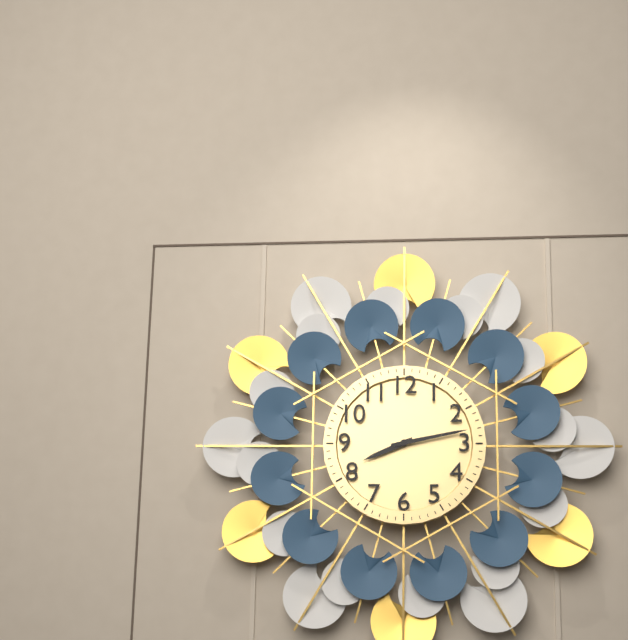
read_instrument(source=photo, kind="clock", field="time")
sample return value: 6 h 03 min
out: 8 h 13 min
